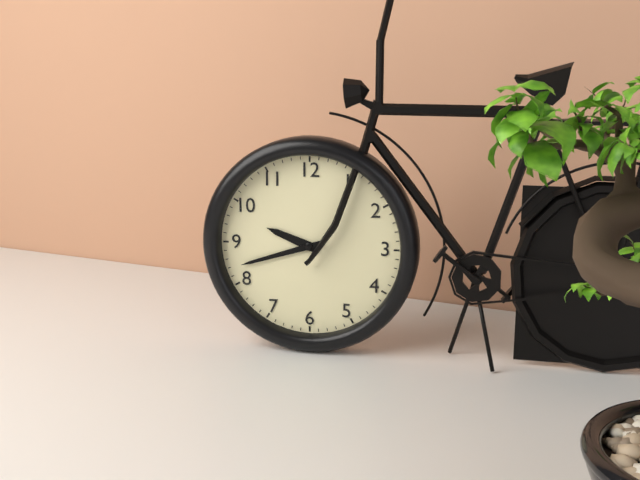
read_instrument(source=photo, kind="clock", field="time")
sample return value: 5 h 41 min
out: 9 h 42 min
